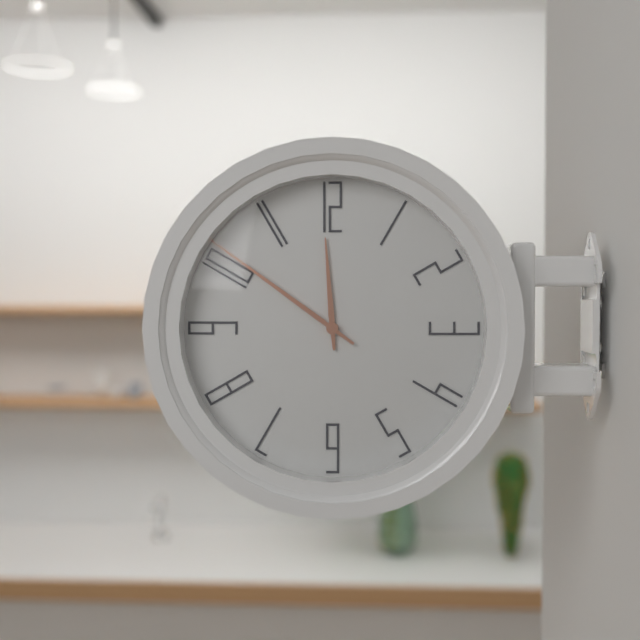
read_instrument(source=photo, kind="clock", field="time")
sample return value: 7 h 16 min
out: 11 h 51 min
